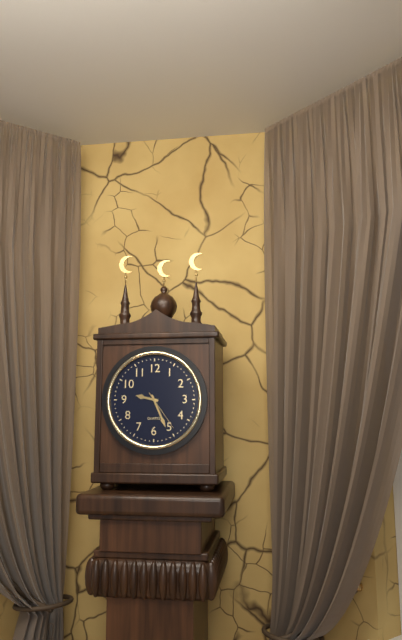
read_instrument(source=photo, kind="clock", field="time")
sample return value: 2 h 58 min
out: 9 h 26 min
